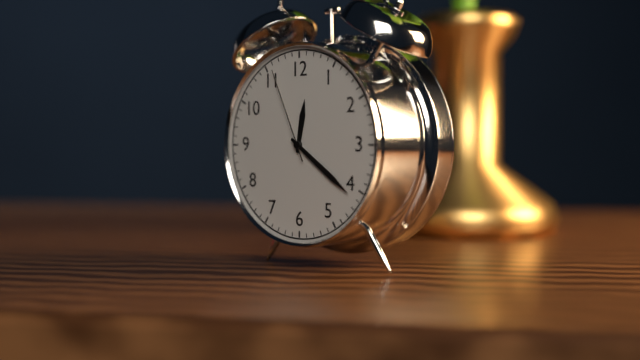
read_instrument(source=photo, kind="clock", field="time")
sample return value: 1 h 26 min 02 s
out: 12 h 21 min 56 s
